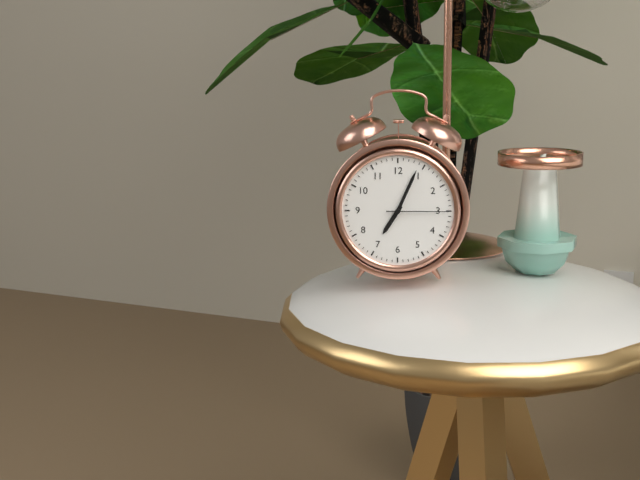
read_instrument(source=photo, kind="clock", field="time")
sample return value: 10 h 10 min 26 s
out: 7 h 04 min 15 s
